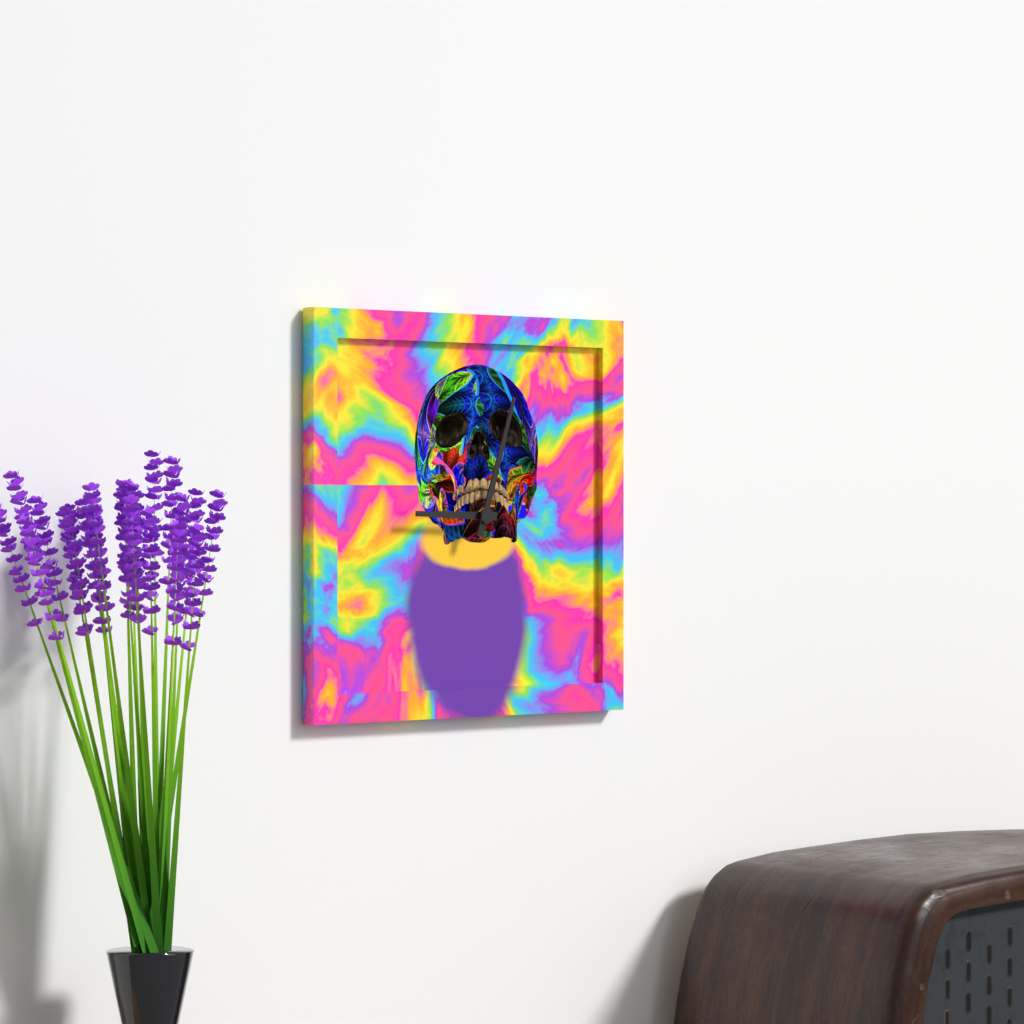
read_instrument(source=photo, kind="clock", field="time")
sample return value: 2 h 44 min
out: 9 h 03 min
